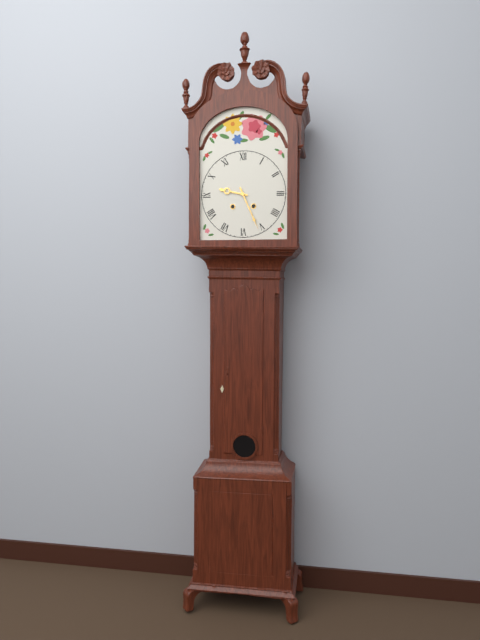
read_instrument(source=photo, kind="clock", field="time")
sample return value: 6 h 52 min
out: 9 h 26 min
